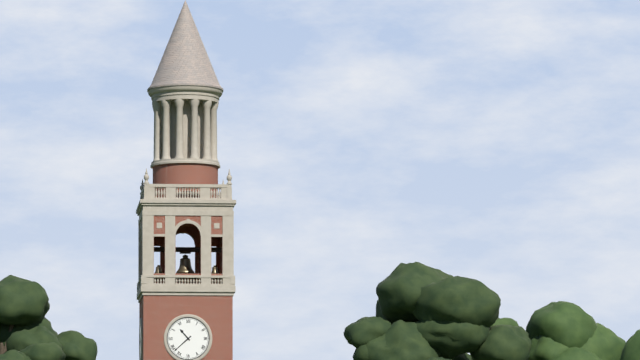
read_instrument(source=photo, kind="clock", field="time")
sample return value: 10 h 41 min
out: 10 h 38 min
